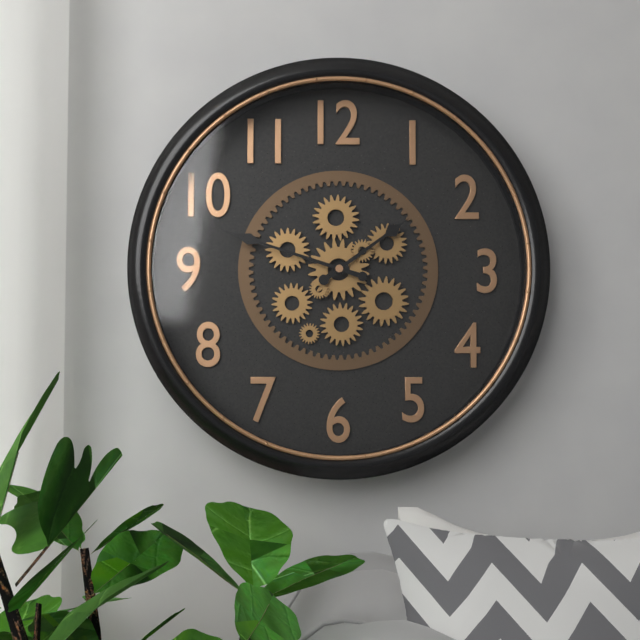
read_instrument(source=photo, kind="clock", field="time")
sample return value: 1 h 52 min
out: 1 h 48 min
